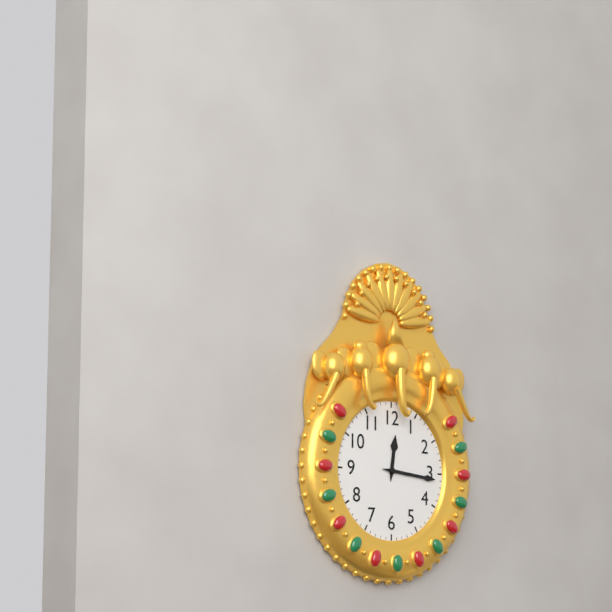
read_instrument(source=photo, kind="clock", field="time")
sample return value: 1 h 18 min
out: 12 h 16 min
